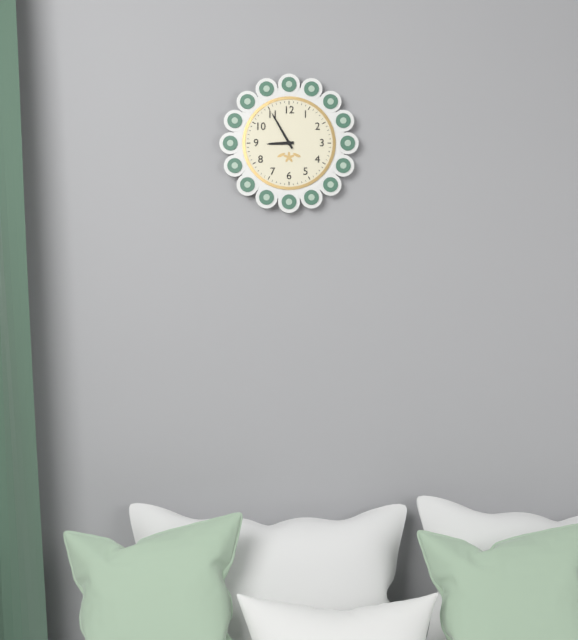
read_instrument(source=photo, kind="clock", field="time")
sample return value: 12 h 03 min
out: 8 h 55 min
